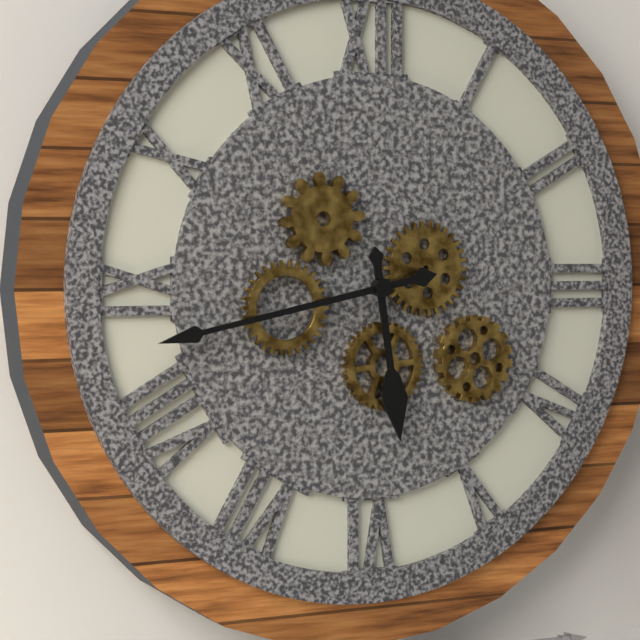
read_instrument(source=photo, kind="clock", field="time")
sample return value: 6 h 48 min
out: 5 h 43 min
